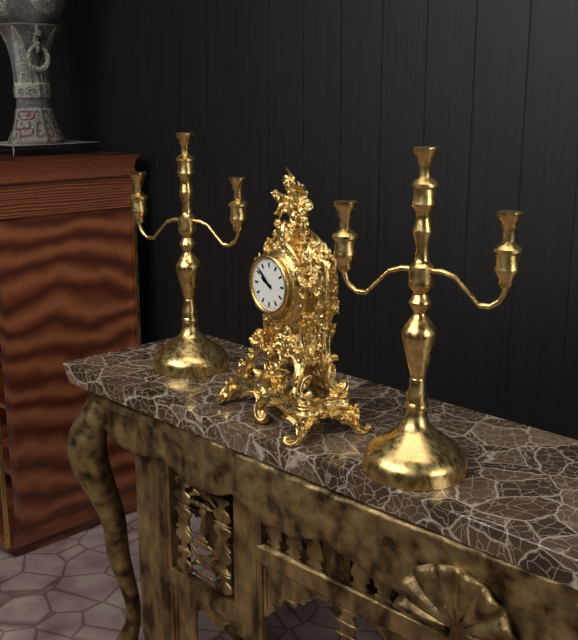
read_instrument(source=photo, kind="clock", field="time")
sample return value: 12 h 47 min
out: 9 h 52 min
